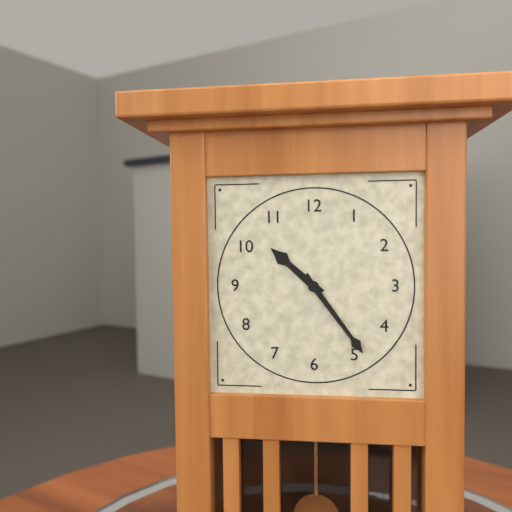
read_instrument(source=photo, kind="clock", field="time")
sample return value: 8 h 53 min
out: 10 h 24 min
